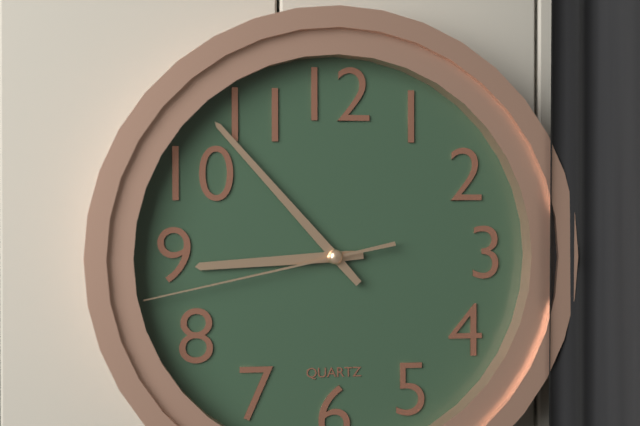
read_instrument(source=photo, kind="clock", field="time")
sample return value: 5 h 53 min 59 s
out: 8 h 53 min 43 s
